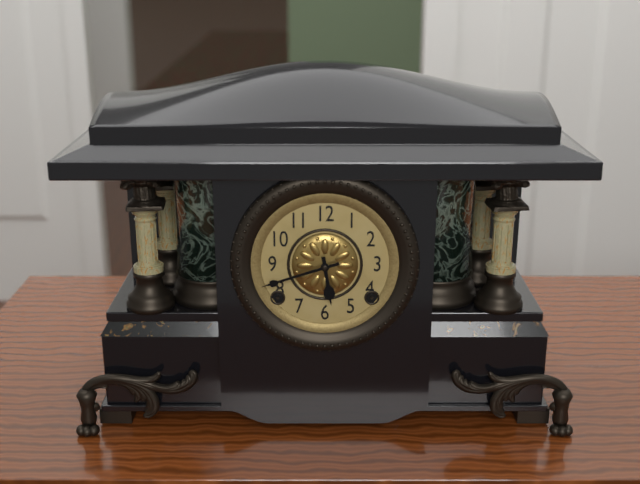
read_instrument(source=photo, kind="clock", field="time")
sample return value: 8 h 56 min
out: 5 h 42 min
